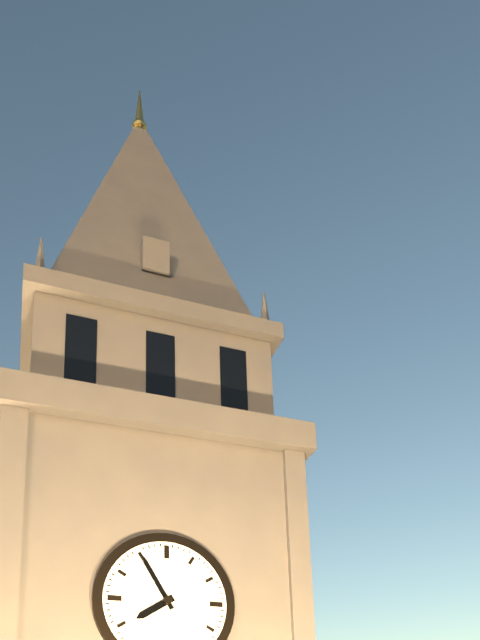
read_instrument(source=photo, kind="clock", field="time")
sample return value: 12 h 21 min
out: 7 h 55 min
